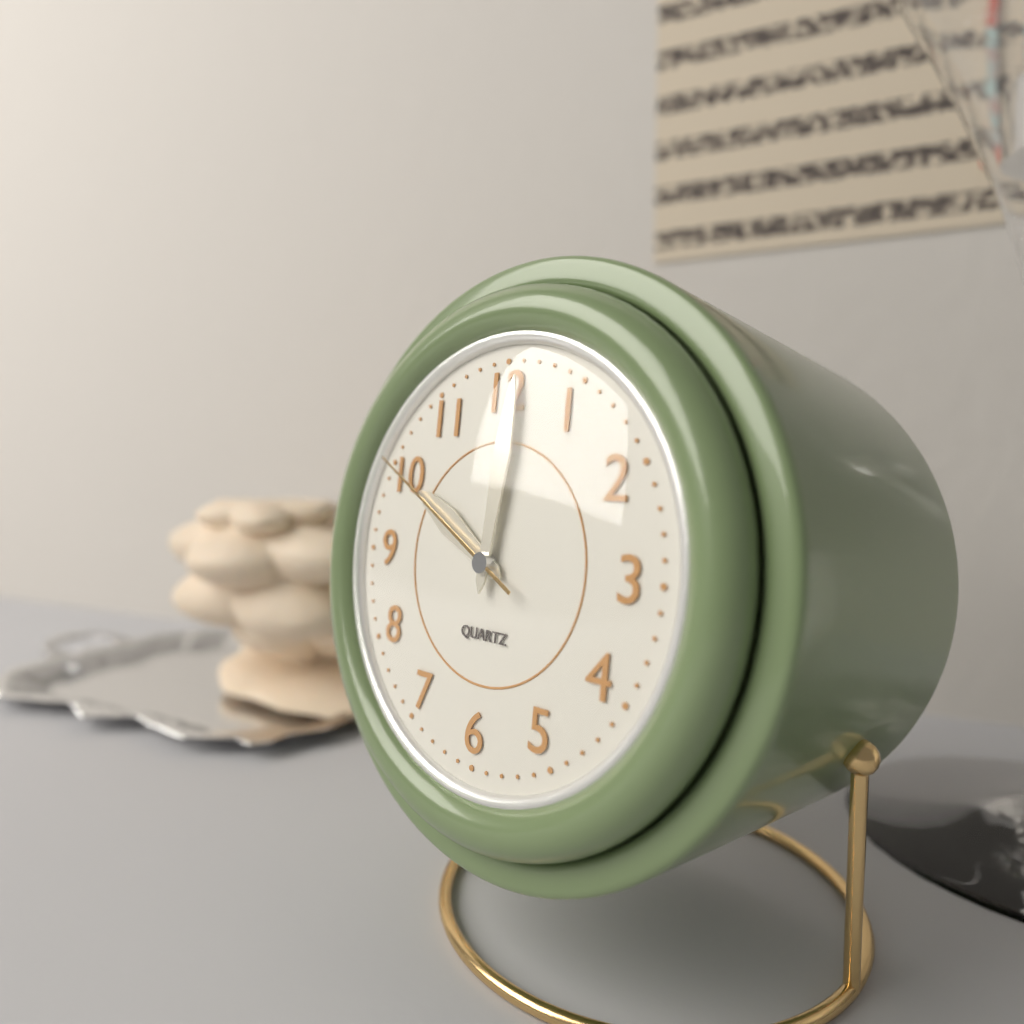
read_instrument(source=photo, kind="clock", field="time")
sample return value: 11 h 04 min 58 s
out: 10 h 01 min 50 s
